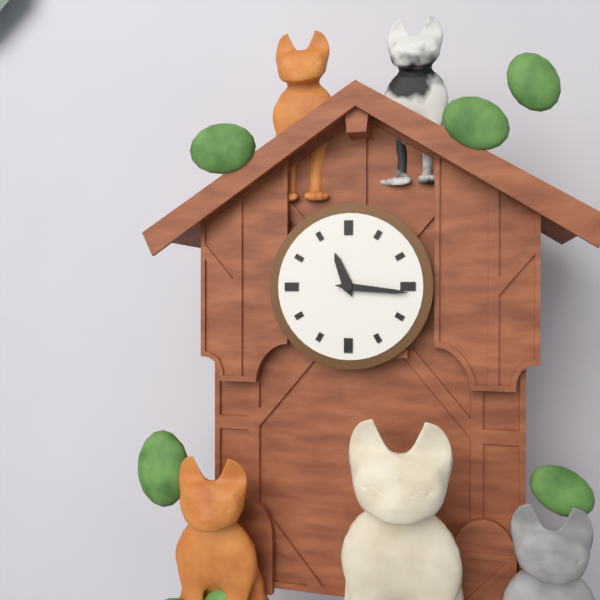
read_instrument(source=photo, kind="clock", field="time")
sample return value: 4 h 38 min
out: 11 h 16 min
